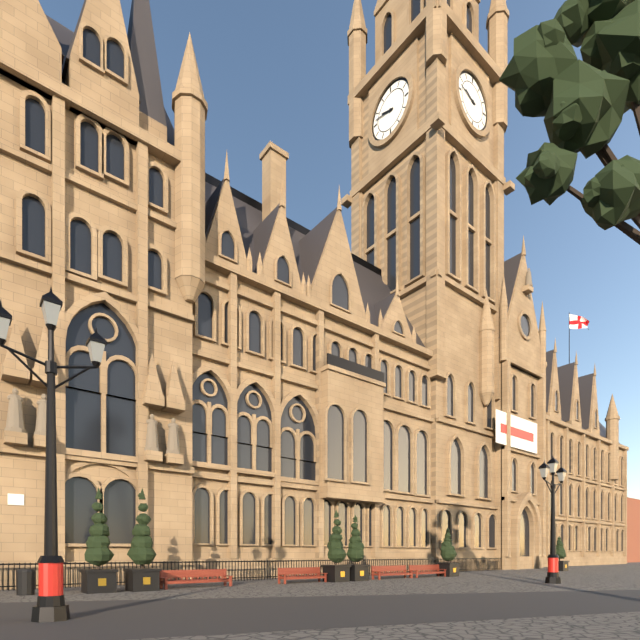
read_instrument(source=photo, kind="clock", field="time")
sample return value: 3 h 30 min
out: 9 h 47 min
